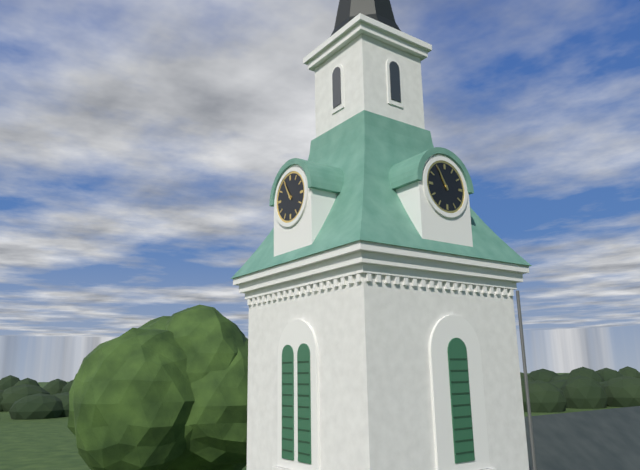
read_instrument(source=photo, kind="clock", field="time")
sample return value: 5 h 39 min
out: 10 h 55 min
